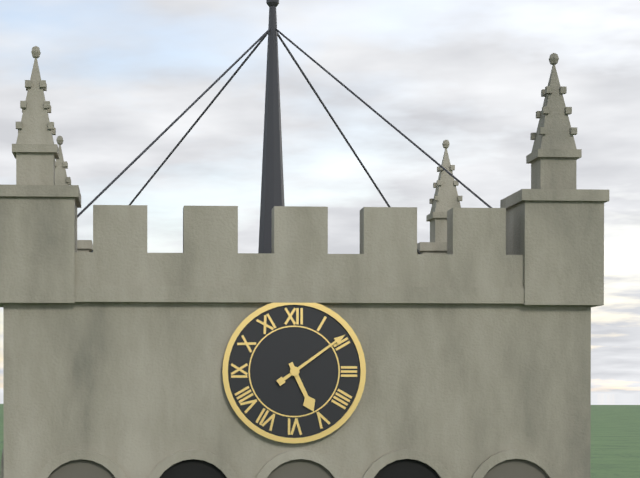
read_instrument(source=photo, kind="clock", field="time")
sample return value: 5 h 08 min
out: 5 h 09 min
